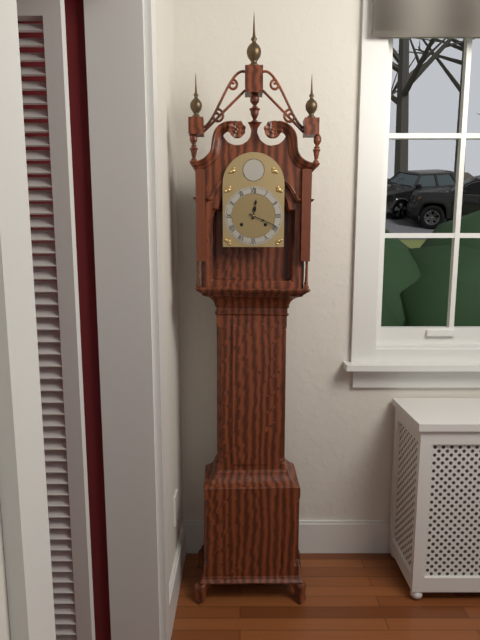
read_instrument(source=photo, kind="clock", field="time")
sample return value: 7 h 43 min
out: 12 h 19 min
